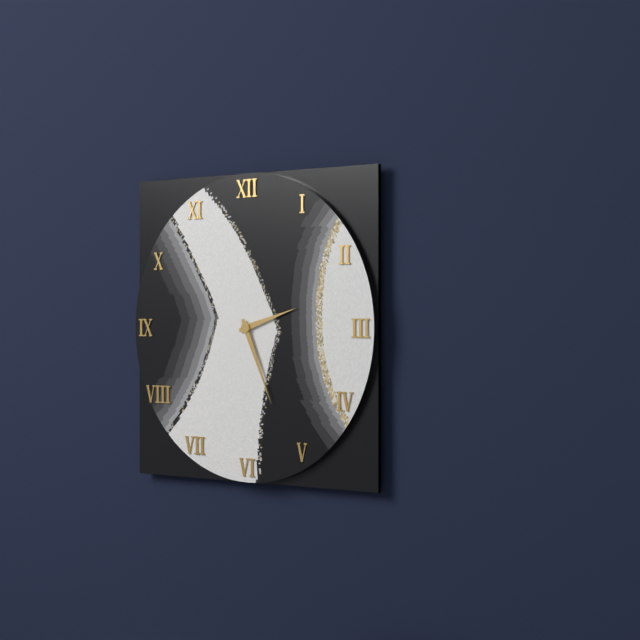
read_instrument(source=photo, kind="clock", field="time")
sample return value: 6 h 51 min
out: 2 h 26 min
